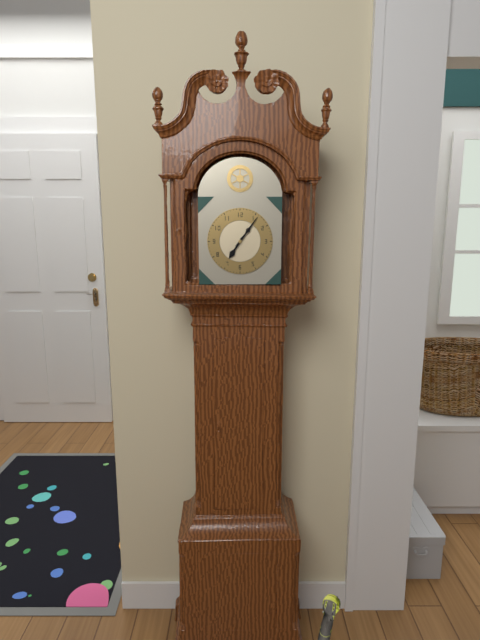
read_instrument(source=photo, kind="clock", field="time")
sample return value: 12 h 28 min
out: 7 h 06 min
